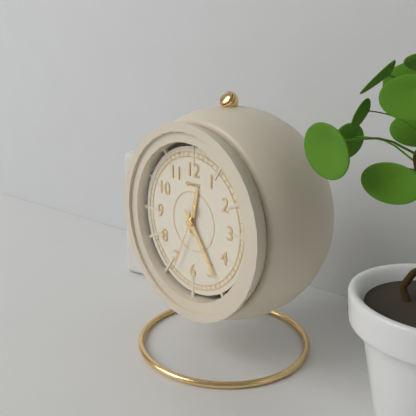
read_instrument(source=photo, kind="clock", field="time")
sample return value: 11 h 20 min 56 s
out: 12 h 24 min 34 s
